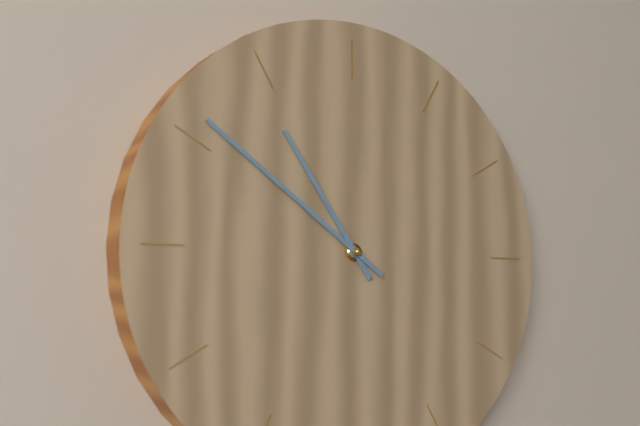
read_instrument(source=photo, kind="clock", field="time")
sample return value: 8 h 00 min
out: 10 h 51 min
